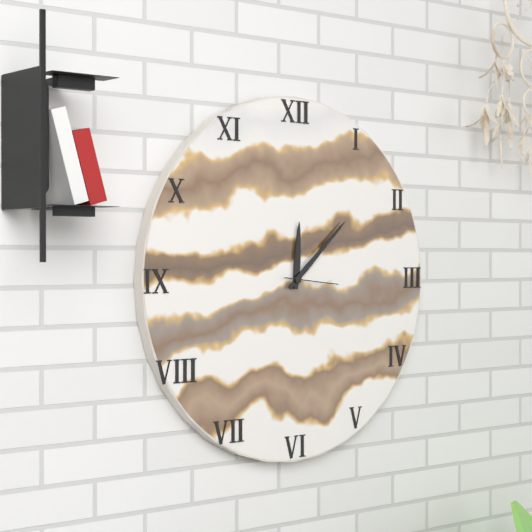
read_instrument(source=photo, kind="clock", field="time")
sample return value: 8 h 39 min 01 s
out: 12 h 08 min 16 s
